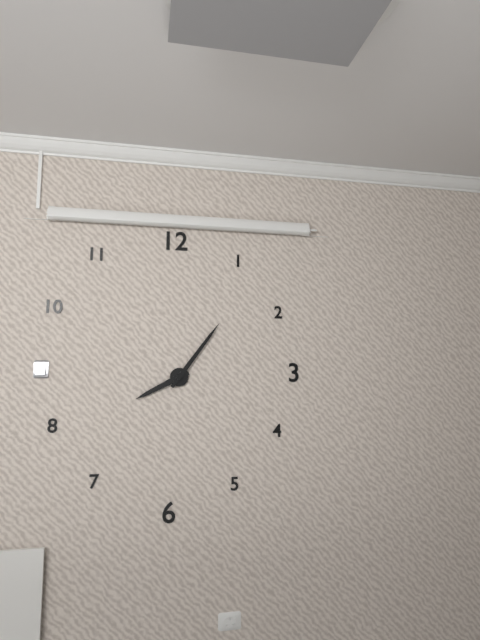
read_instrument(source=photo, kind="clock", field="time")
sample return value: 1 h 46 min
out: 8 h 06 min
